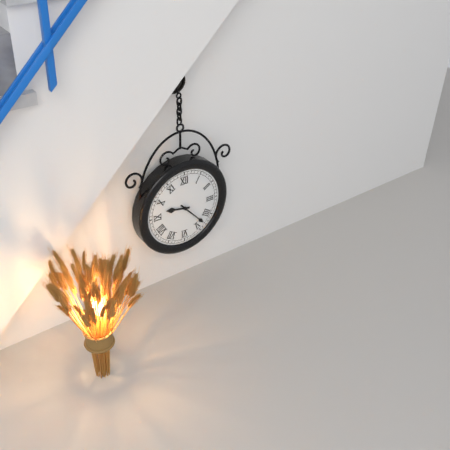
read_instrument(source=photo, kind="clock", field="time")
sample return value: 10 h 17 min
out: 9 h 23 min
